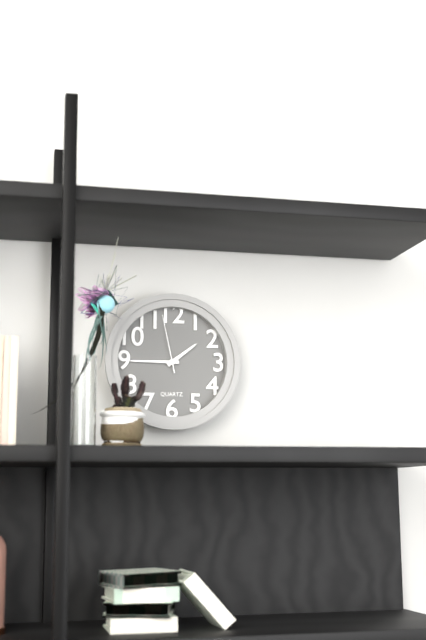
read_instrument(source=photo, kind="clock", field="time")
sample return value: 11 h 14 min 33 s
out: 1 h 45 min 58 s
